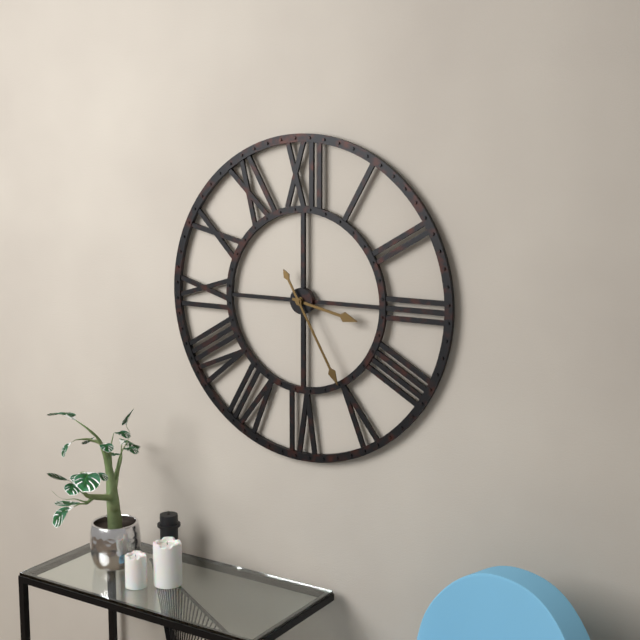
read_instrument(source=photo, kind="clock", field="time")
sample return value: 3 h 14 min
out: 3 h 25 min
